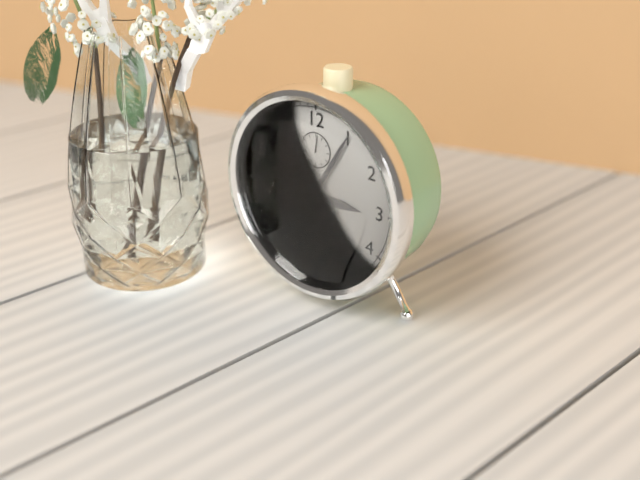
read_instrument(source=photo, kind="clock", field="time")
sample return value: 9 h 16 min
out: 3 h 05 min
